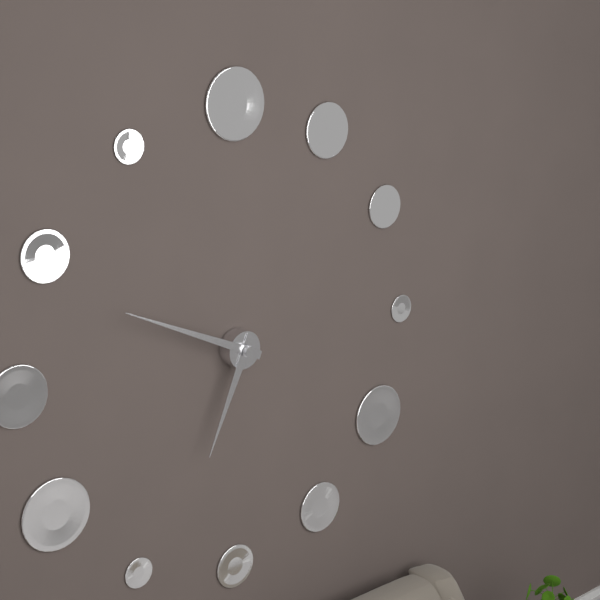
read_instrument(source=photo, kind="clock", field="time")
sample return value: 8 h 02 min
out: 6 h 49 min
